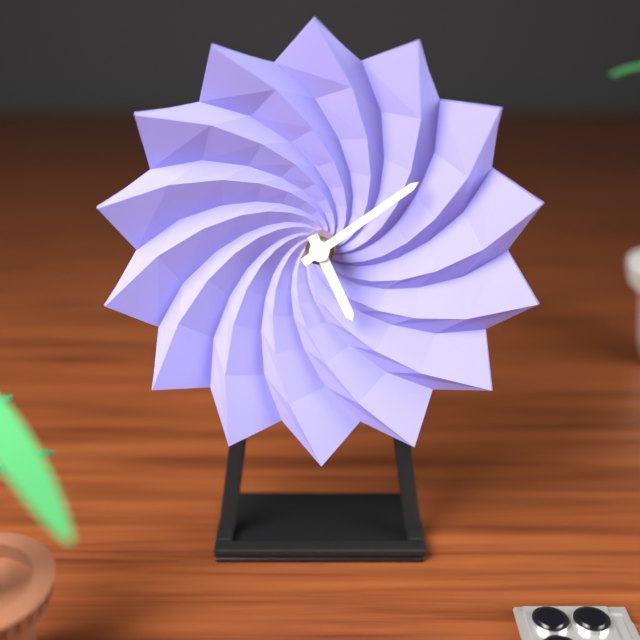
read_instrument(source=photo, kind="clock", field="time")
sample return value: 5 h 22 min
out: 5 h 09 min
